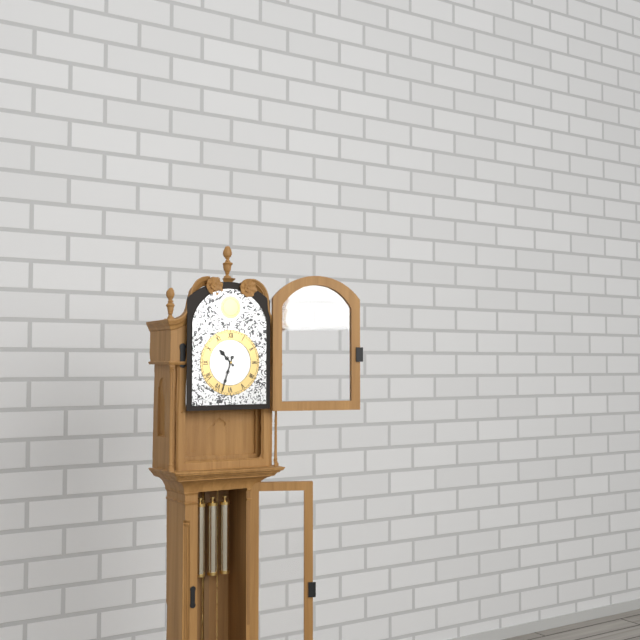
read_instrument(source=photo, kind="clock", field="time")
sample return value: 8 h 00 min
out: 10 h 33 min
